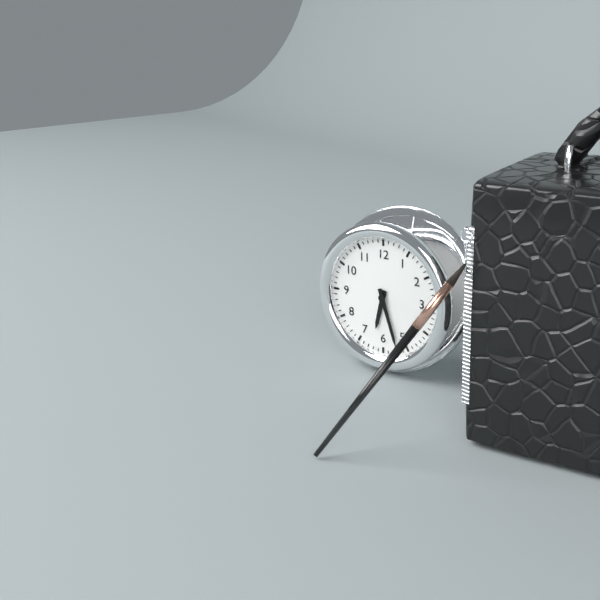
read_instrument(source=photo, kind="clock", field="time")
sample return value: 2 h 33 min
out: 6 h 27 min
